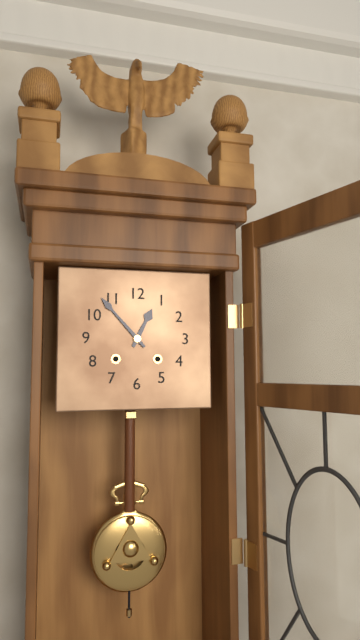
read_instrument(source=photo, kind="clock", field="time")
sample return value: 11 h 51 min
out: 12 h 53 min
